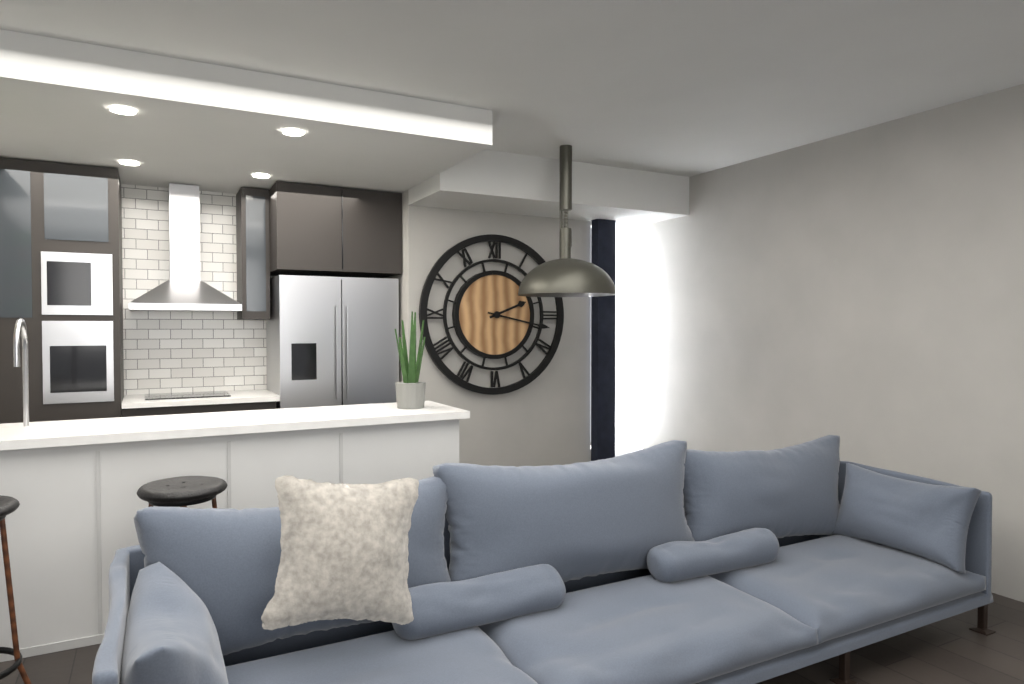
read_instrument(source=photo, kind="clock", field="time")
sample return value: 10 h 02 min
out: 2 h 17 min
